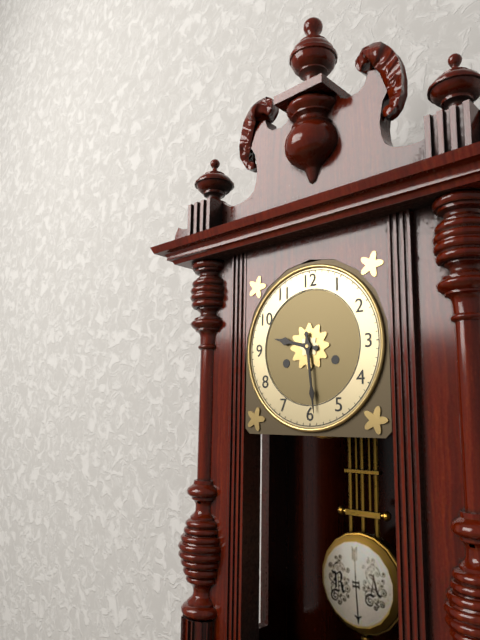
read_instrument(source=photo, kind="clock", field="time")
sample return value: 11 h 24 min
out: 9 h 29 min
